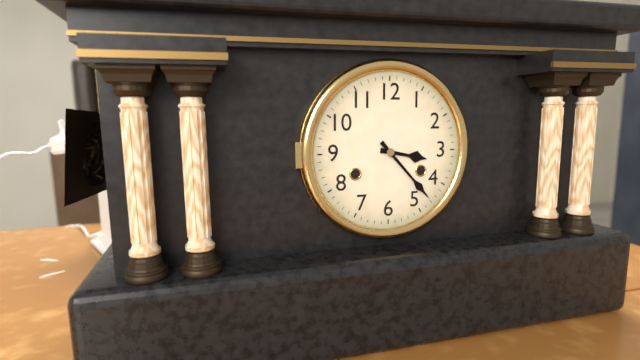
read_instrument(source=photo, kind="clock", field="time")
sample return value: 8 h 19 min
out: 3 h 23 min
